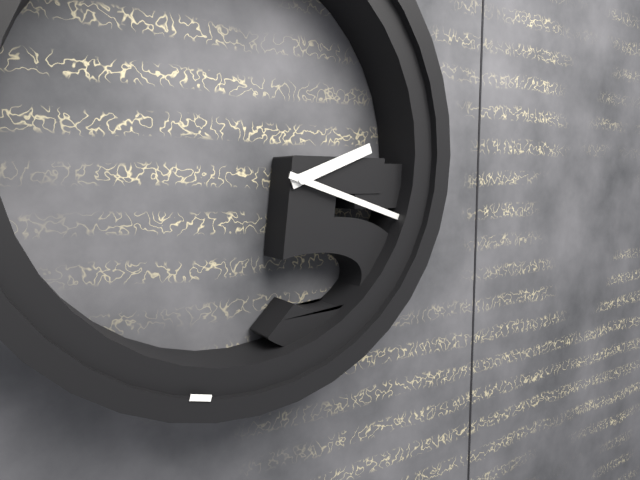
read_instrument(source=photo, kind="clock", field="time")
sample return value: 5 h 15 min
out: 2 h 18 min
